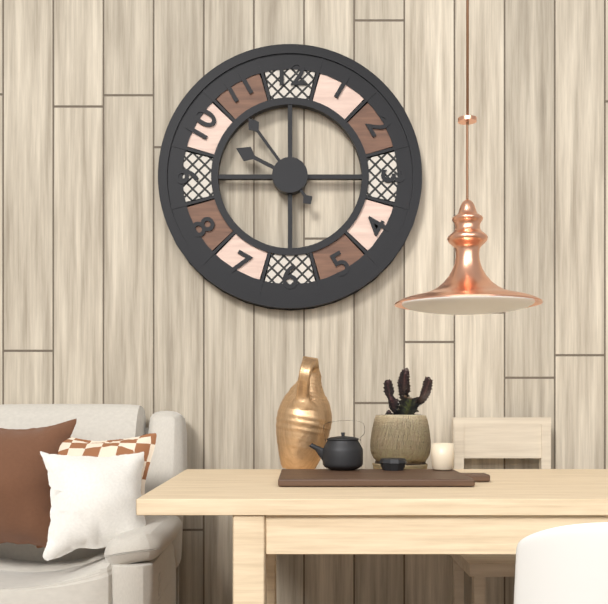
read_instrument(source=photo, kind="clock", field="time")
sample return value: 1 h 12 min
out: 9 h 54 min
